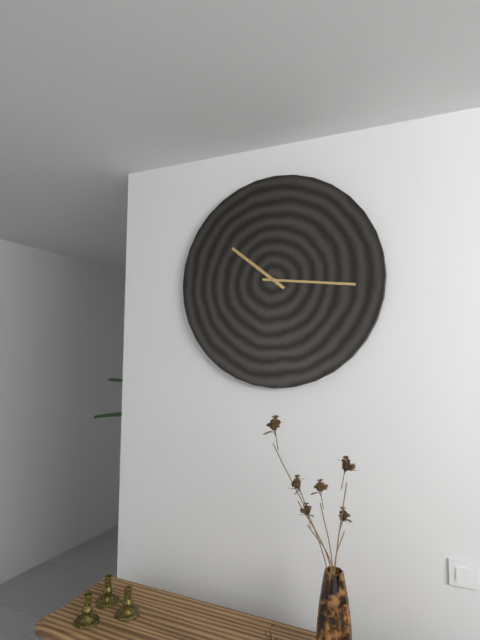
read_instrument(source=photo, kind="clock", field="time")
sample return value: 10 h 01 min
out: 10 h 16 min
